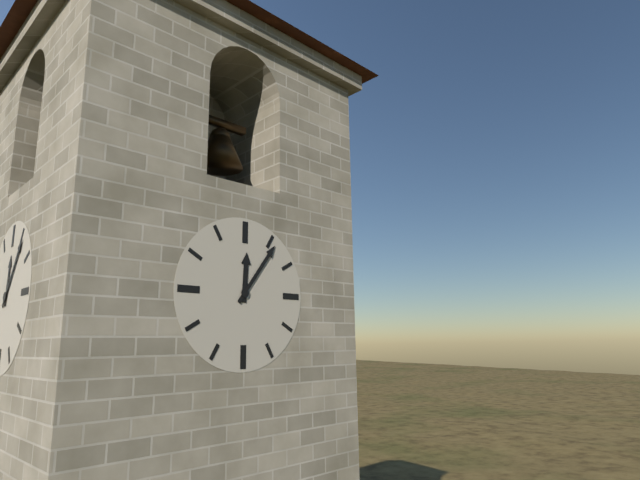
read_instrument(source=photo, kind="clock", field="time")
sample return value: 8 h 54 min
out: 12 h 06 min
